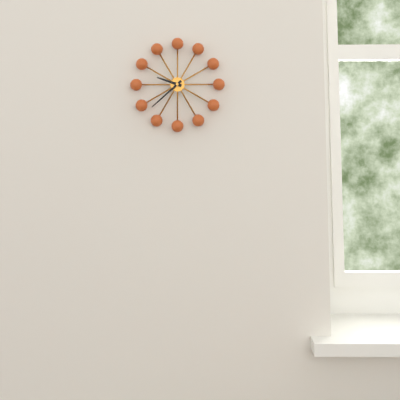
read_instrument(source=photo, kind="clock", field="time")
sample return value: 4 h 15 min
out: 9 h 38 min
